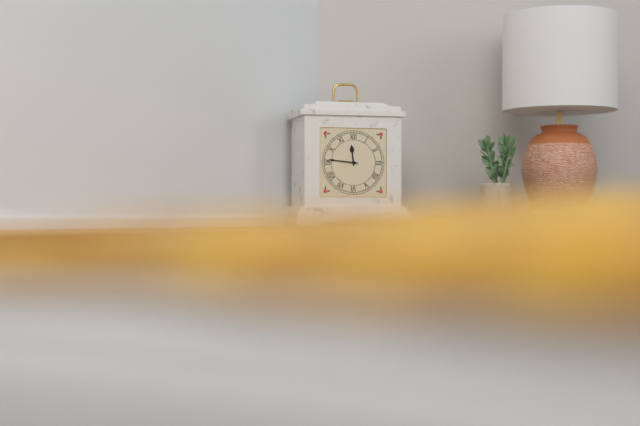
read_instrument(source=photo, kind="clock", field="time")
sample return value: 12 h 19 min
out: 11 h 46 min
